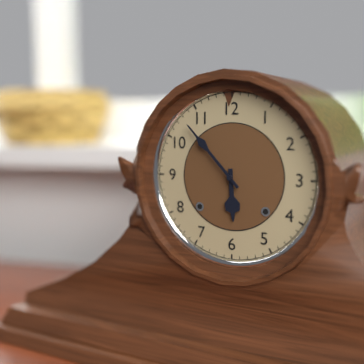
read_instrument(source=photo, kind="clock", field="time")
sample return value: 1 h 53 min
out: 5 h 53 min
